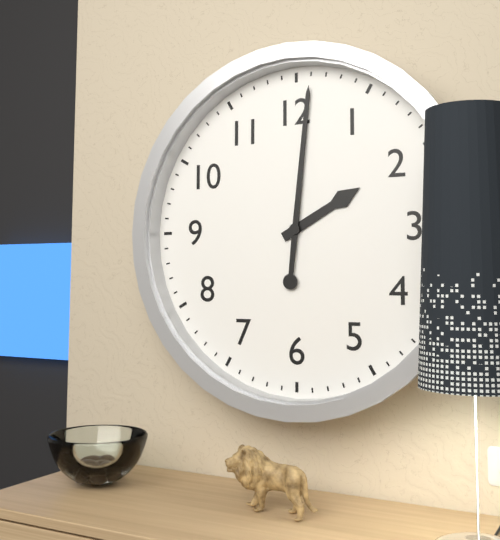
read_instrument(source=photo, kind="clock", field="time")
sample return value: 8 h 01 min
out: 2 h 01 min
